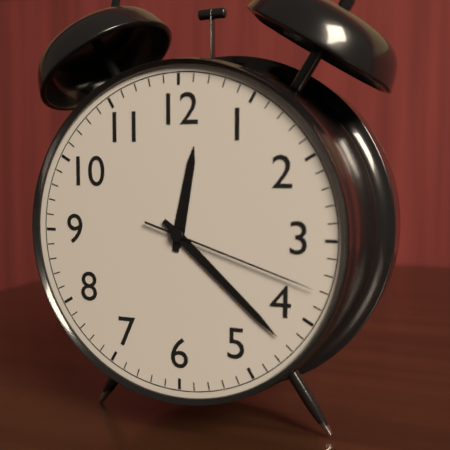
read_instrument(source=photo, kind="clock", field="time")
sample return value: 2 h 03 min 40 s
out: 12 h 22 min 18 s
